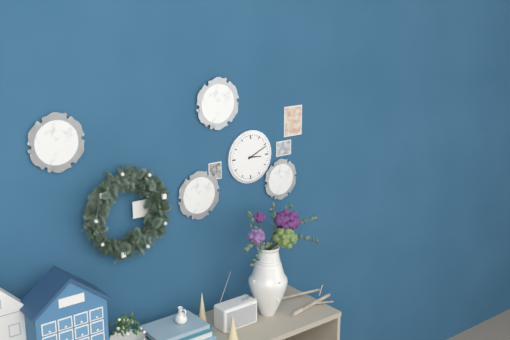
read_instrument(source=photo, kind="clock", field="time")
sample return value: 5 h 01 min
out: 3 h 11 min
